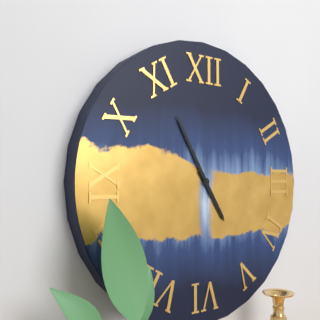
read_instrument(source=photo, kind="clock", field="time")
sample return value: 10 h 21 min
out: 4 h 55 min
